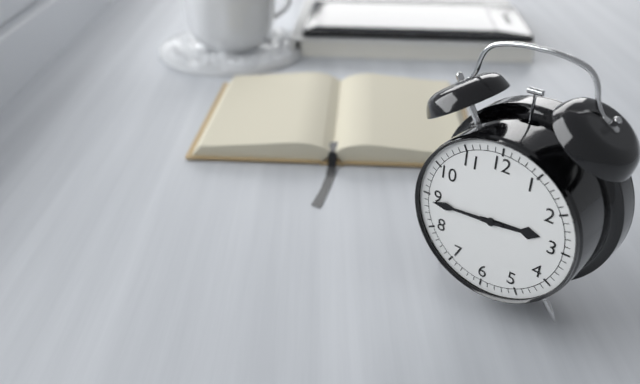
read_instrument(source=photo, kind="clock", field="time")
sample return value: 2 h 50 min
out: 2 h 44 min
